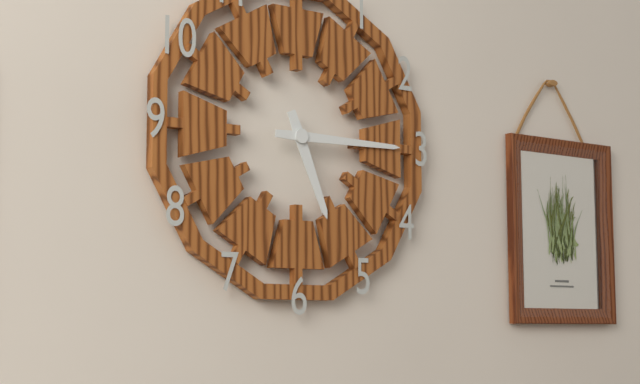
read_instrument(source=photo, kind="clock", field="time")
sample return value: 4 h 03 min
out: 5 h 15 min
